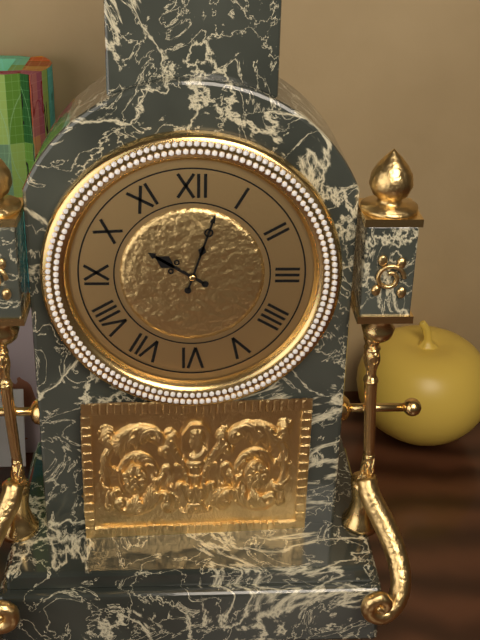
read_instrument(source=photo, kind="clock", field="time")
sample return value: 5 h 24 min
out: 10 h 03 min
